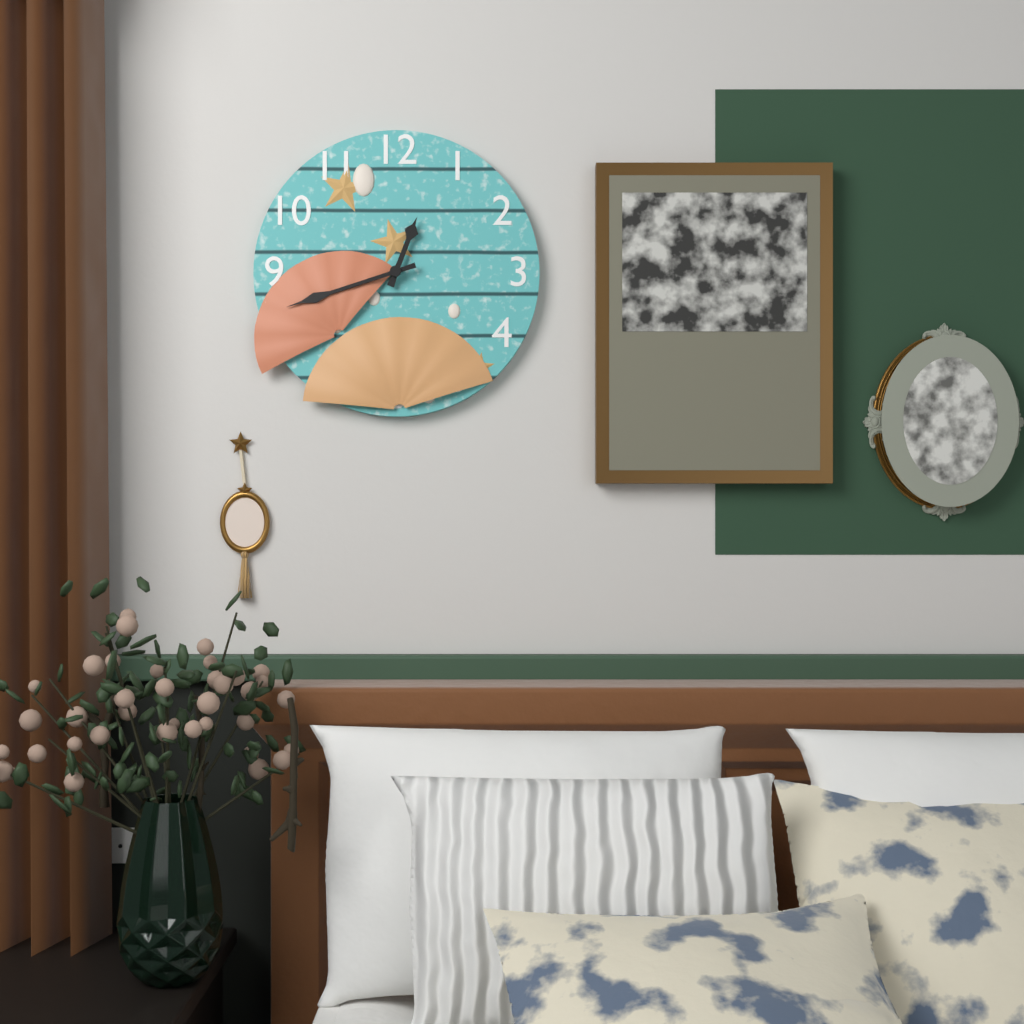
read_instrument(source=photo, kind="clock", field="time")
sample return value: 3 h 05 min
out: 12 h 42 min
